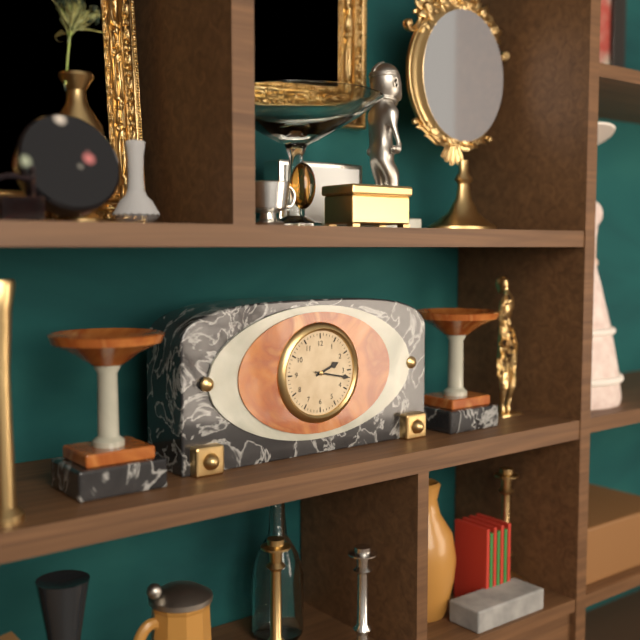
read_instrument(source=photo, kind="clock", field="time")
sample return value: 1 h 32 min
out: 2 h 17 min
